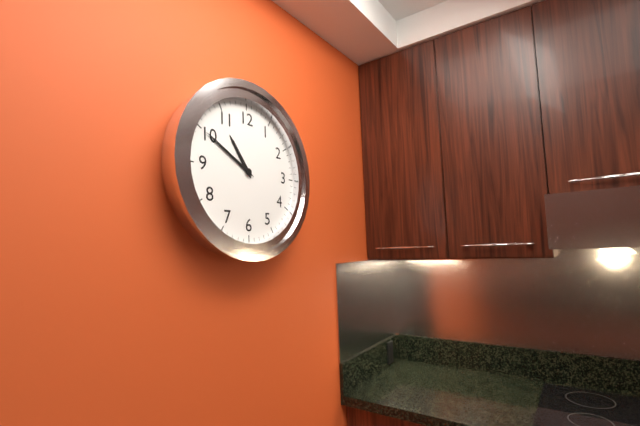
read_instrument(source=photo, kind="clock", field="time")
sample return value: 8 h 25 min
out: 10 h 50 min
